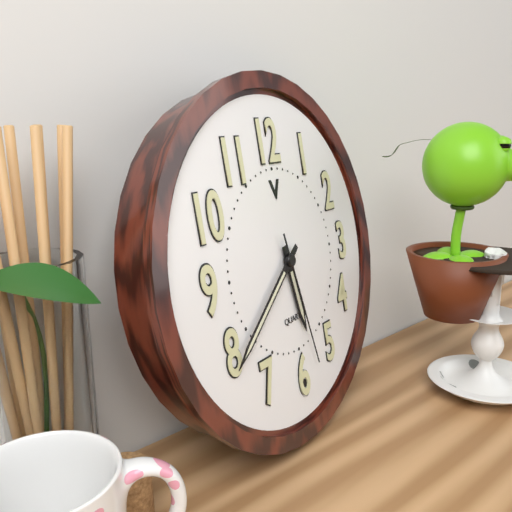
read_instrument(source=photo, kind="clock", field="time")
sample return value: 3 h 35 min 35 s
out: 5 h 39 min 28 s
